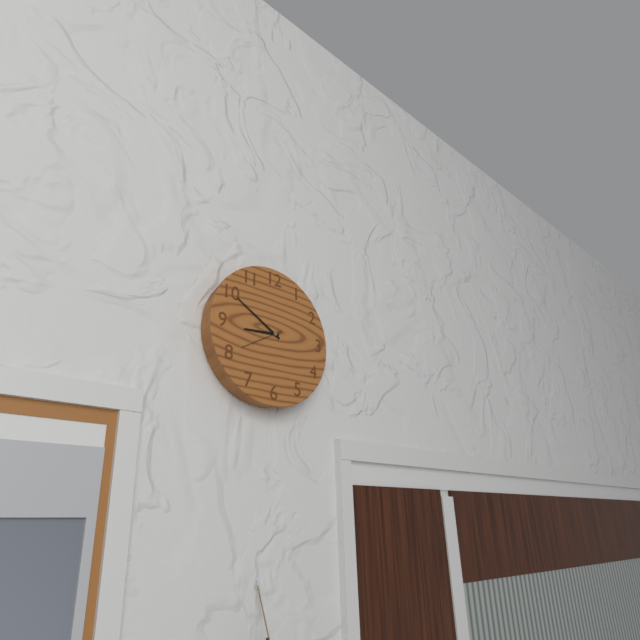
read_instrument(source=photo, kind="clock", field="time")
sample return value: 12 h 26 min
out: 8 h 50 min
